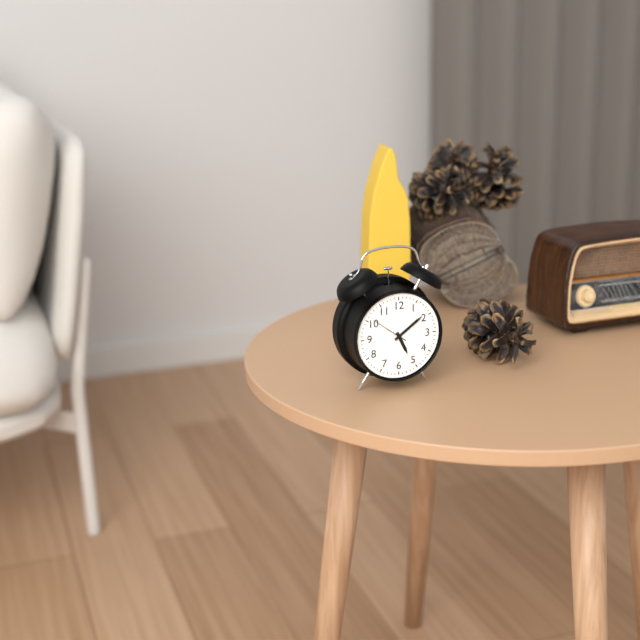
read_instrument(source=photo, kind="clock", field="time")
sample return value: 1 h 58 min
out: 5 h 09 min
